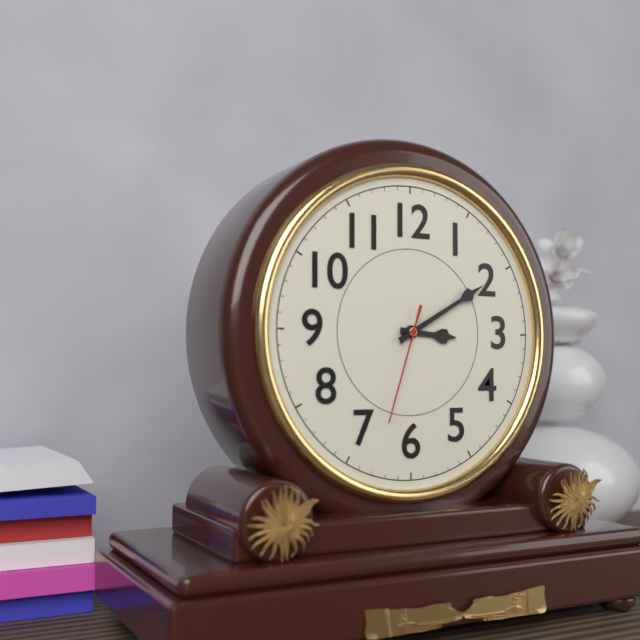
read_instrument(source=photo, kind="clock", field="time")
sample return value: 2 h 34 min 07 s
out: 3 h 10 min 33 s
